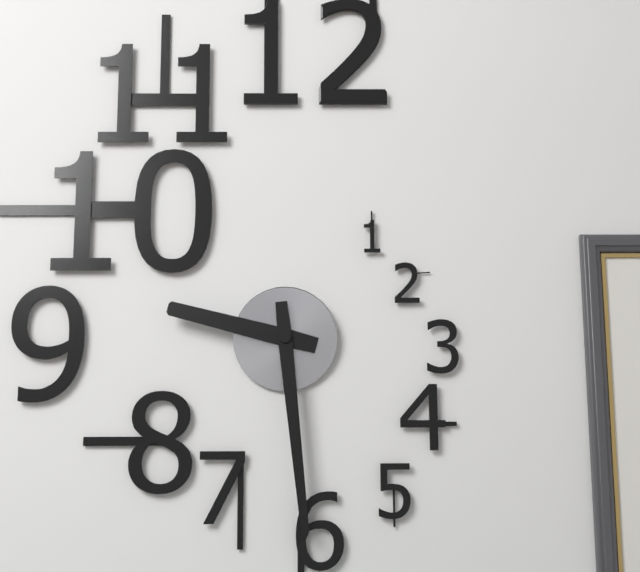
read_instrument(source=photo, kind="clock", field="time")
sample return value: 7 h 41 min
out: 9 h 29 min
